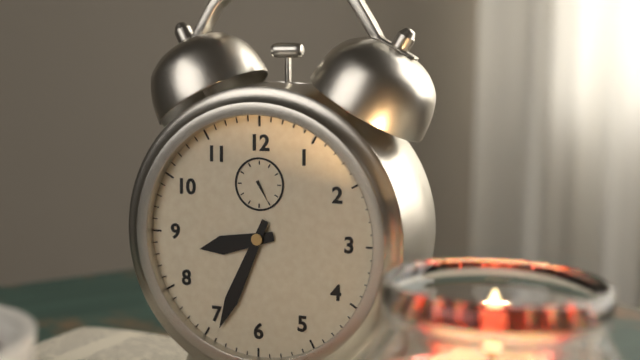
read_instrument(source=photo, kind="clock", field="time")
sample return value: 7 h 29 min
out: 8 h 34 min
